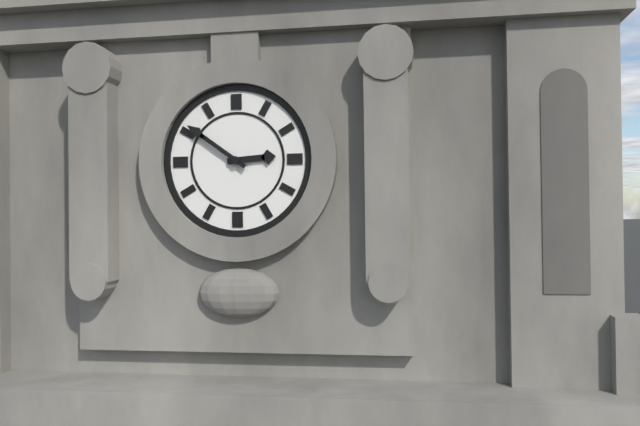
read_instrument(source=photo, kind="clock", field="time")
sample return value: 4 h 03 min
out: 2 h 51 min
